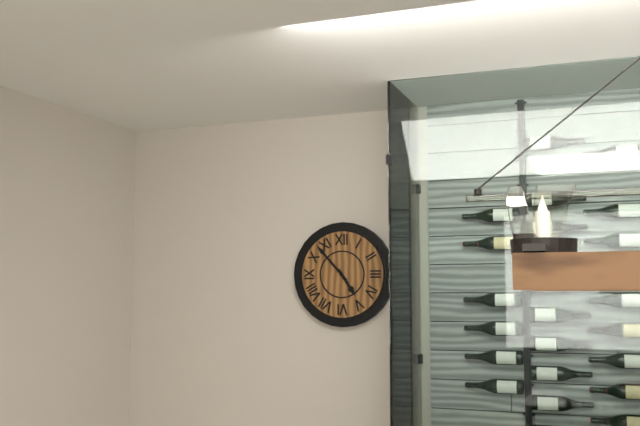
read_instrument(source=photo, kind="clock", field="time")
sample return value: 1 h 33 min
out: 4 h 53 min
